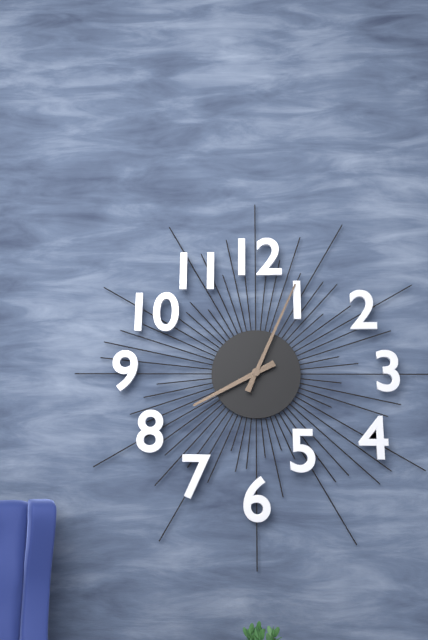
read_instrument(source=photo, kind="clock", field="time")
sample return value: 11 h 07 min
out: 8 h 04 min
